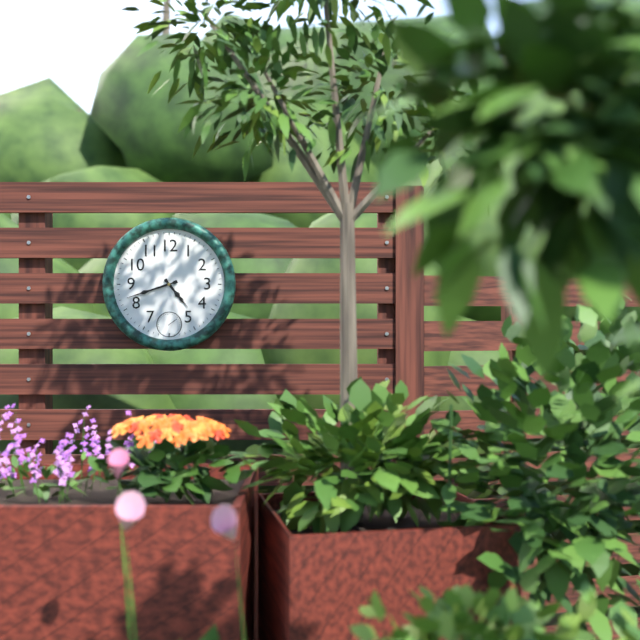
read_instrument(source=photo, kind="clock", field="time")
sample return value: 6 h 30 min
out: 4 h 42 min
